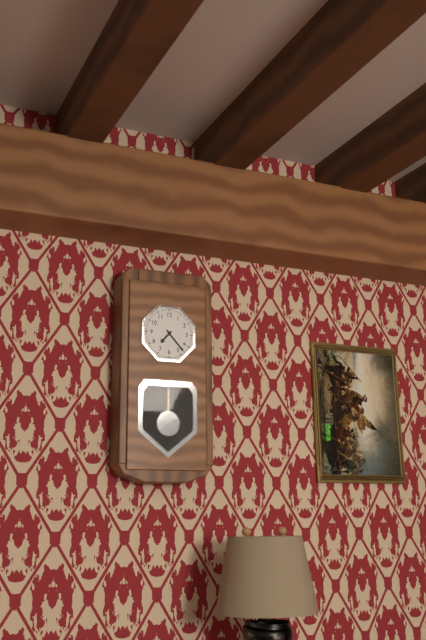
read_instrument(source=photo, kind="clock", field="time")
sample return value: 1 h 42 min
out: 7 h 23 min
